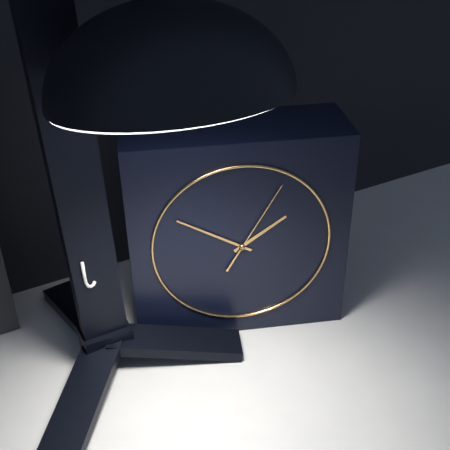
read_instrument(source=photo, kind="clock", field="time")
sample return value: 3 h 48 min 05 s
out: 1 h 50 min 05 s
